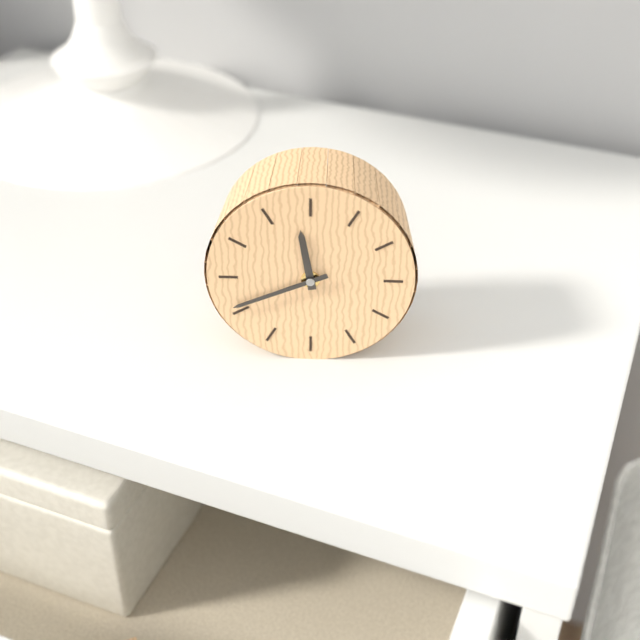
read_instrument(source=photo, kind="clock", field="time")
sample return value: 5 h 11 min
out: 11 h 41 min
